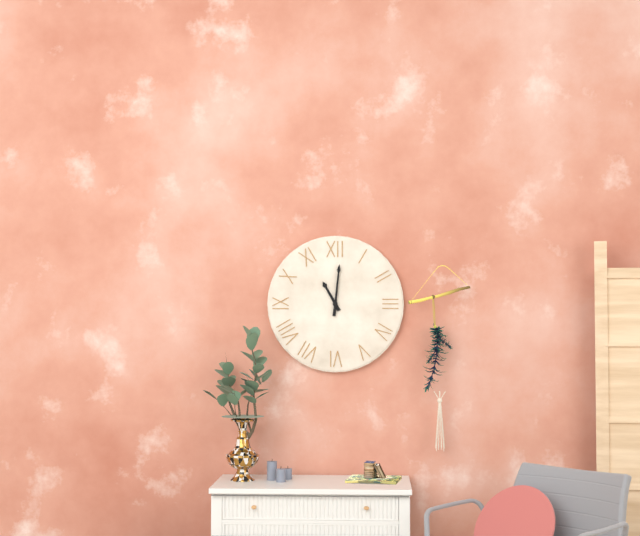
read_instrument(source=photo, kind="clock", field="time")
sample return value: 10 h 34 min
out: 11 h 01 min
